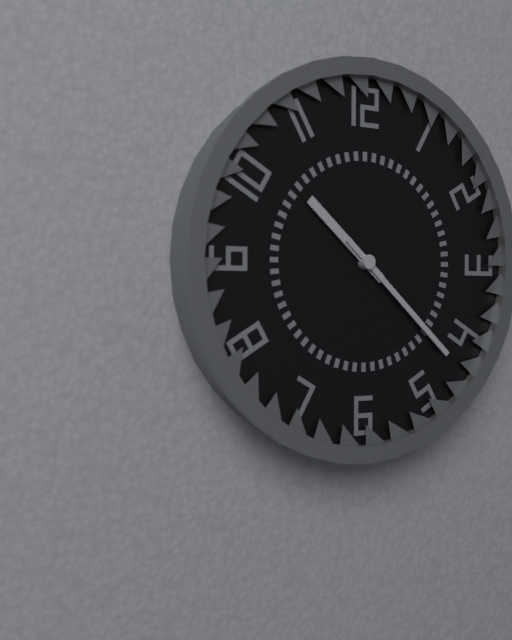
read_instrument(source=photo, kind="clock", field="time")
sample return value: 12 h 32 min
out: 10 h 22 min
